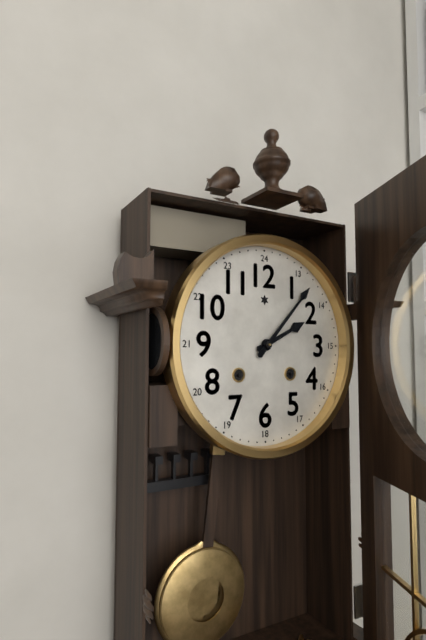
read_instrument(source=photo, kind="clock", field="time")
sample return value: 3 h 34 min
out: 2 h 07 min
